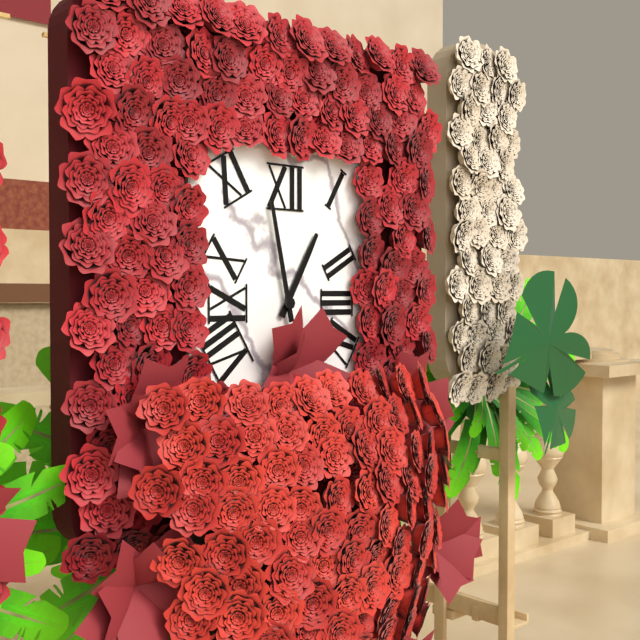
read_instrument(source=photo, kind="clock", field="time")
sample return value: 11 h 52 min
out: 12 h 58 min
